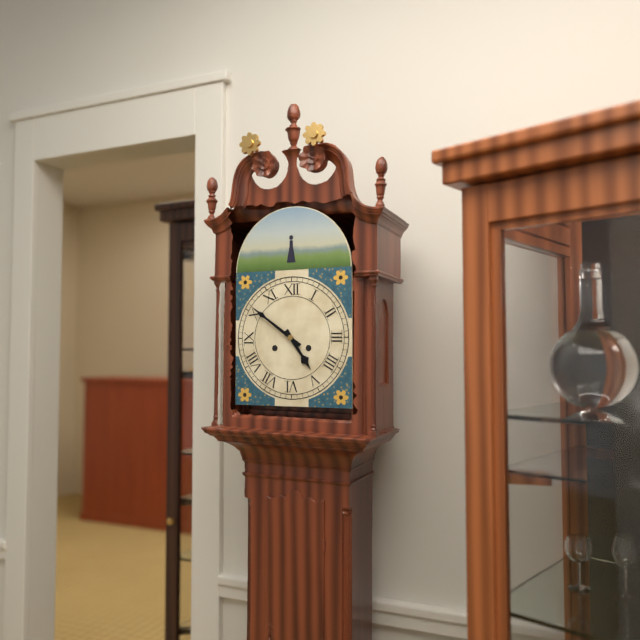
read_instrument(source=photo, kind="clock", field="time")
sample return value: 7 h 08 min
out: 4 h 51 min
